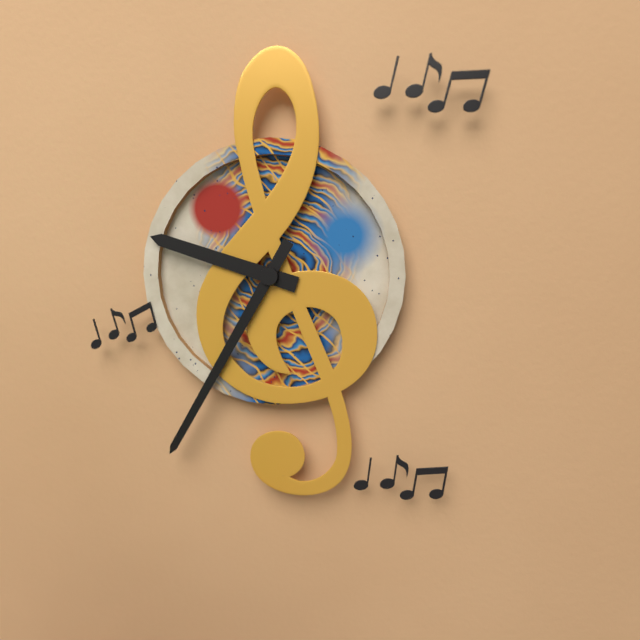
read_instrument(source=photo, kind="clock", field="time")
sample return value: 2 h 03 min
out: 9 h 35 min
